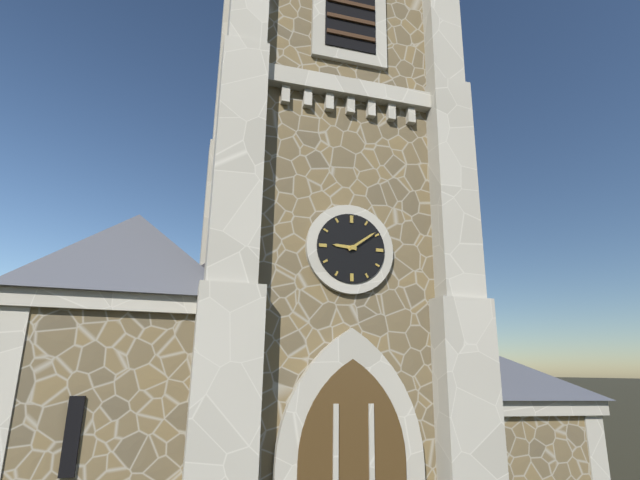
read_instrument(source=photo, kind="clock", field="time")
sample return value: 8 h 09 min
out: 9 h 09 min
